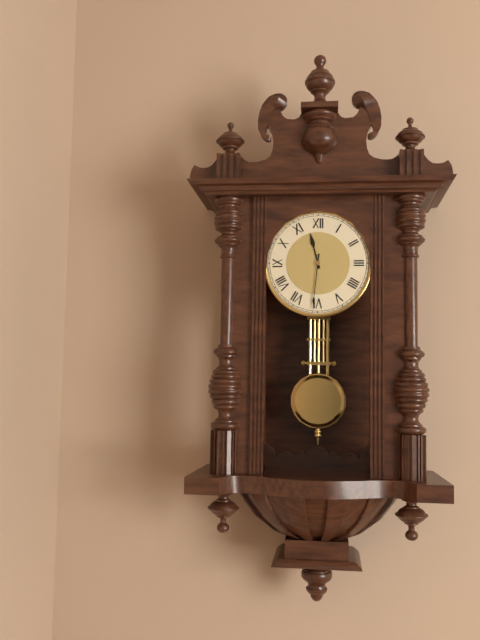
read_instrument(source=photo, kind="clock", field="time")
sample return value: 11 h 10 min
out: 11 h 31 min
